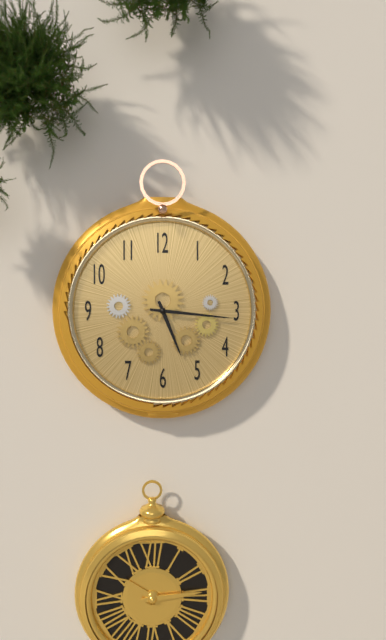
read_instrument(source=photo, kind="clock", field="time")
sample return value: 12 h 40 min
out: 5 h 16 min
